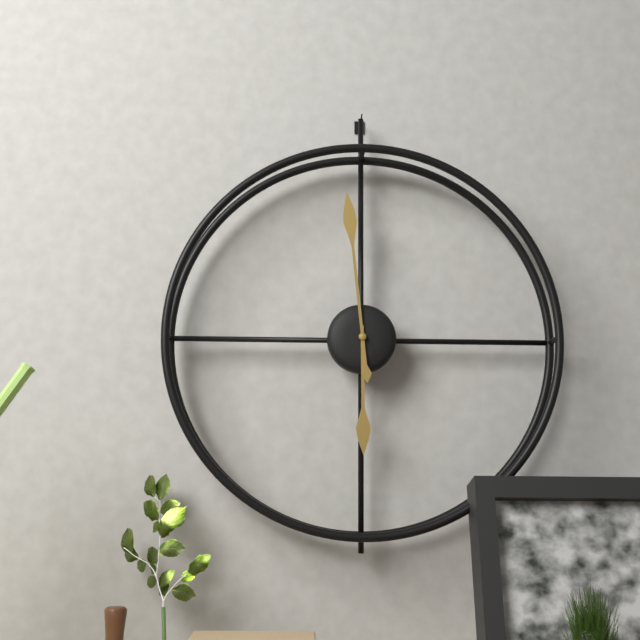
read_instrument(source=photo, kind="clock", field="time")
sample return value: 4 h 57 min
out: 5 h 59 min
